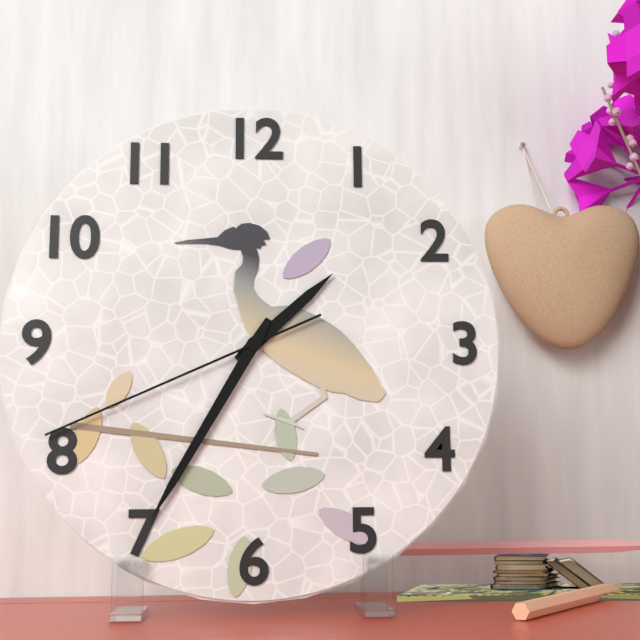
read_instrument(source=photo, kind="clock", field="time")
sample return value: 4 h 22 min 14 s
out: 1 h 35 min 41 s
